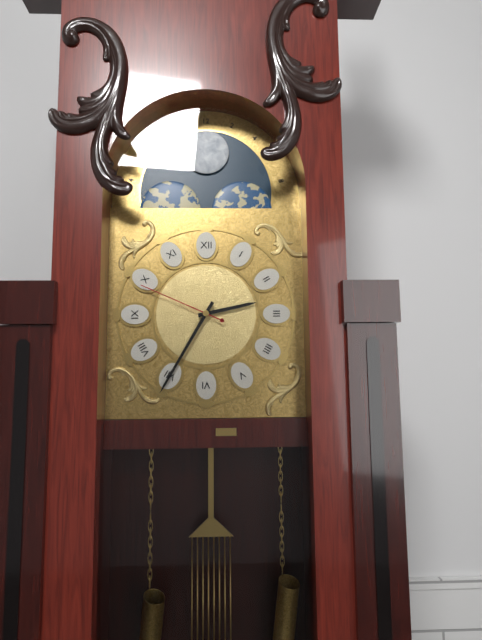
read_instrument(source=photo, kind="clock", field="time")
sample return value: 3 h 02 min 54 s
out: 2 h 35 min 49 s
